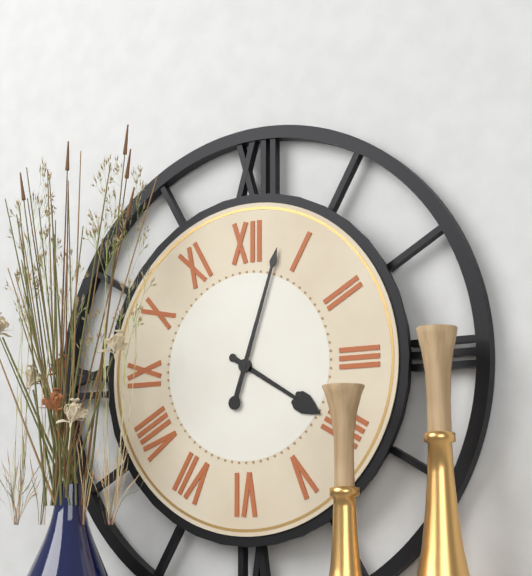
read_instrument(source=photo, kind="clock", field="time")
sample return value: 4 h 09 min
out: 4 h 03 min
